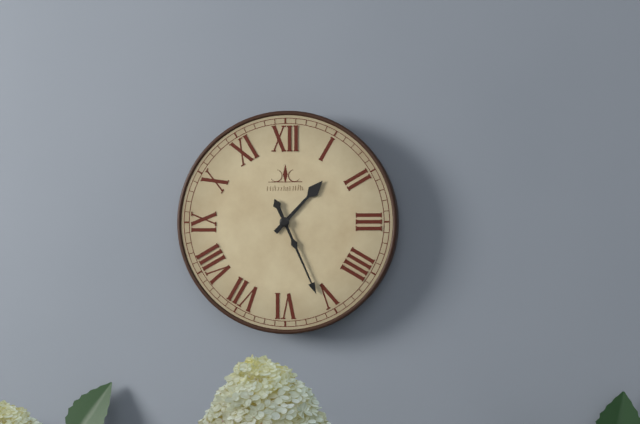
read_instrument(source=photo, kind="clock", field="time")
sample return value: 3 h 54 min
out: 1 h 26 min
